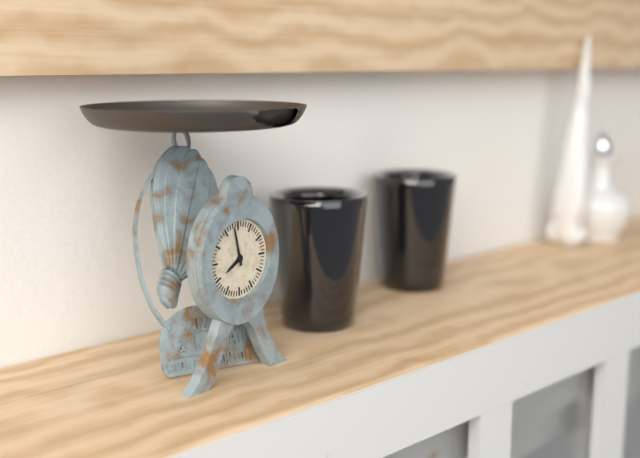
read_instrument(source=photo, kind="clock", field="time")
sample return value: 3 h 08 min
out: 7 h 58 min
